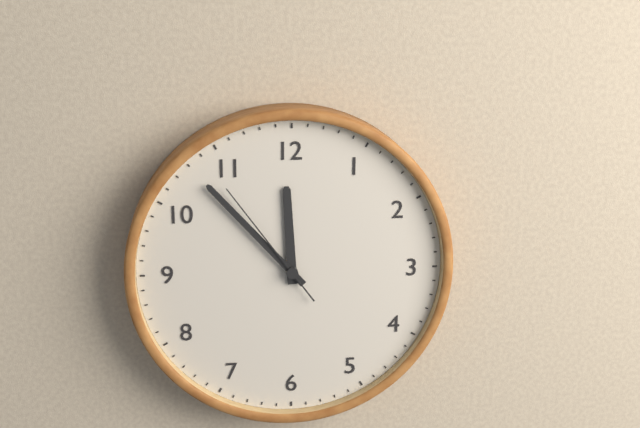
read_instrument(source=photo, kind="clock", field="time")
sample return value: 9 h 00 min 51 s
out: 11 h 53 min 54 s
